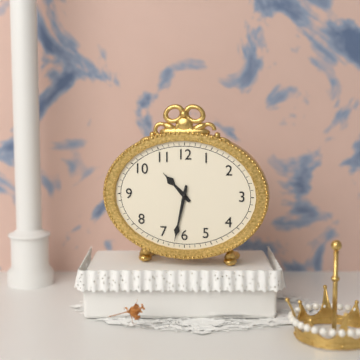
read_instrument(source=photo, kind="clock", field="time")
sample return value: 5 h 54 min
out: 10 h 32 min
